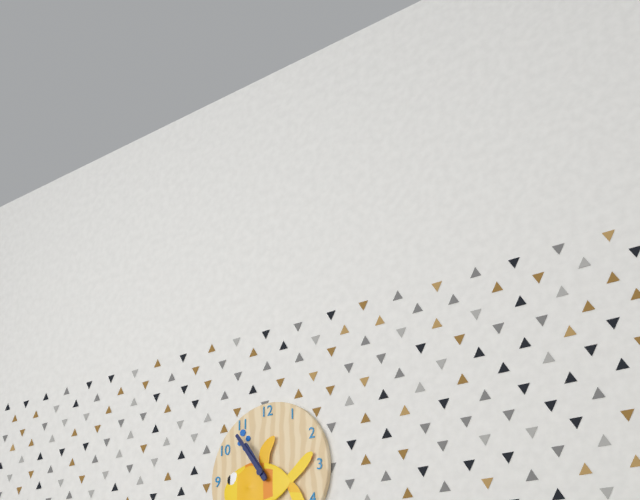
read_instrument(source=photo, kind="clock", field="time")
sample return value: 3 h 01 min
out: 10 h 54 min
